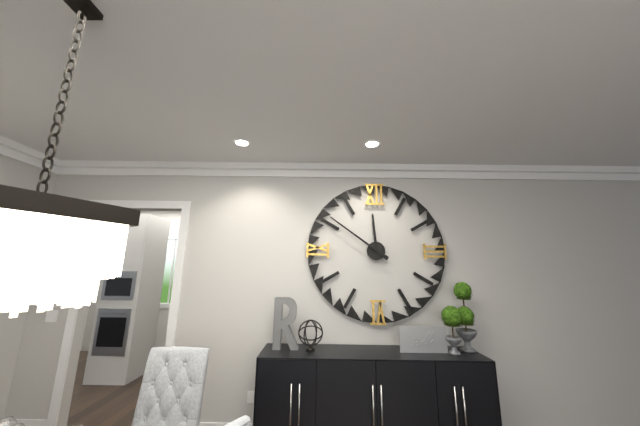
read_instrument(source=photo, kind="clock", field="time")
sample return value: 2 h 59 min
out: 11 h 51 min
